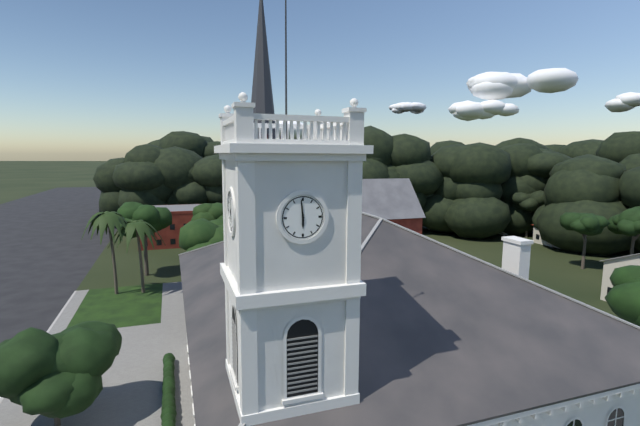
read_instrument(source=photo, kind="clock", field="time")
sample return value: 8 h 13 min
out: 5 h 59 min
